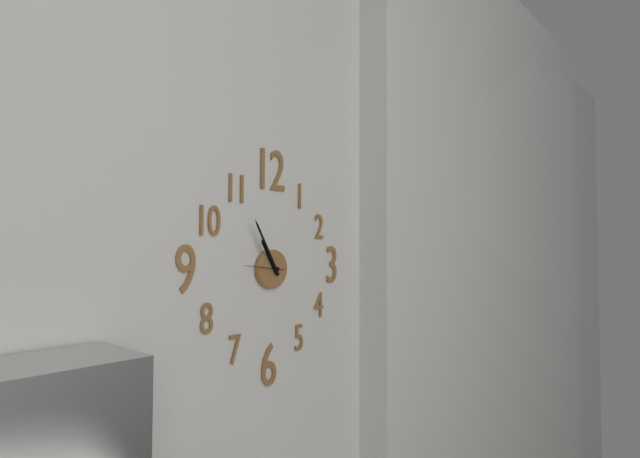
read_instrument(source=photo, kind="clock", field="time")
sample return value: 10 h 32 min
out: 10 h 55 min
